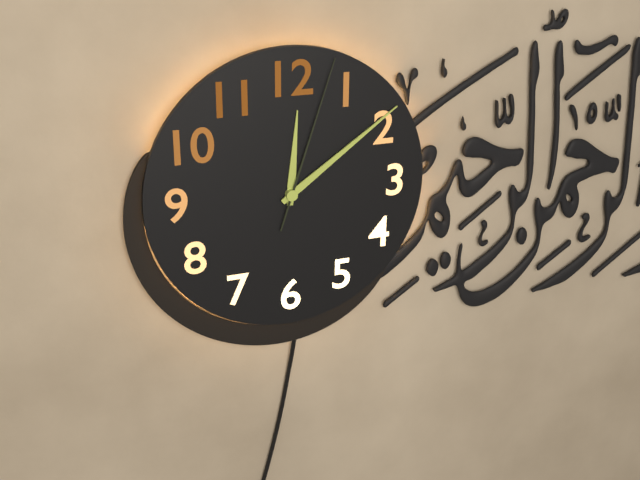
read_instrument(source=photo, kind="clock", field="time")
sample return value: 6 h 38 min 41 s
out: 12 h 09 min 03 s
